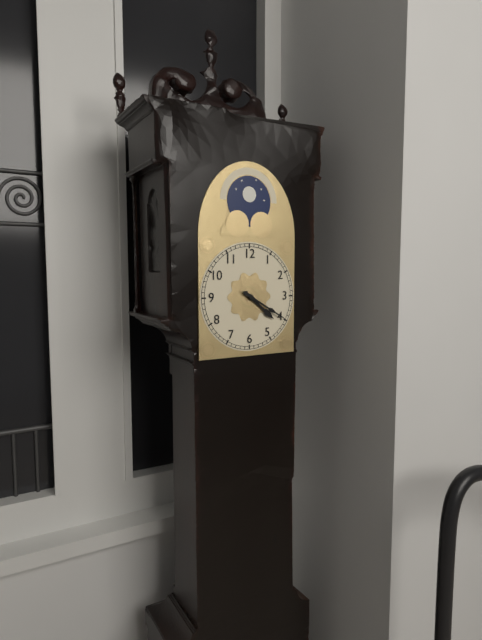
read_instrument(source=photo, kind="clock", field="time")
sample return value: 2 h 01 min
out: 4 h 20 min
